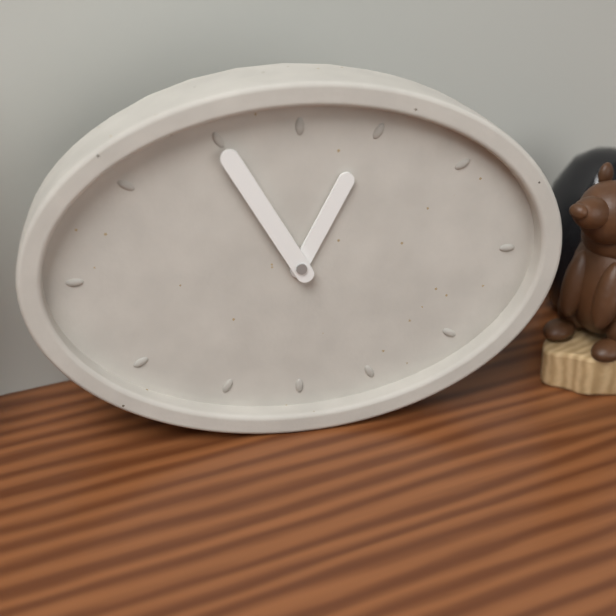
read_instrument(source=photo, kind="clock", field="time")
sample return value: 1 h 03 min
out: 12 h 55 min
